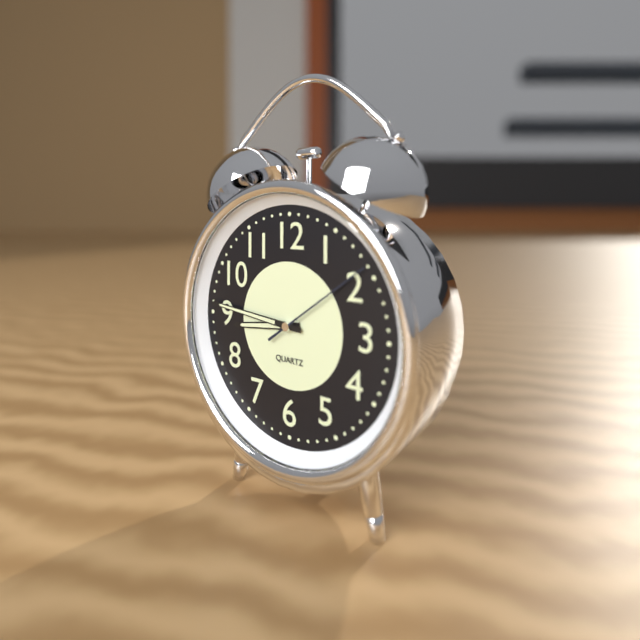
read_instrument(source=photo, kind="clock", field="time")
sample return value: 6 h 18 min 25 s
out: 8 h 46 min 09 s
